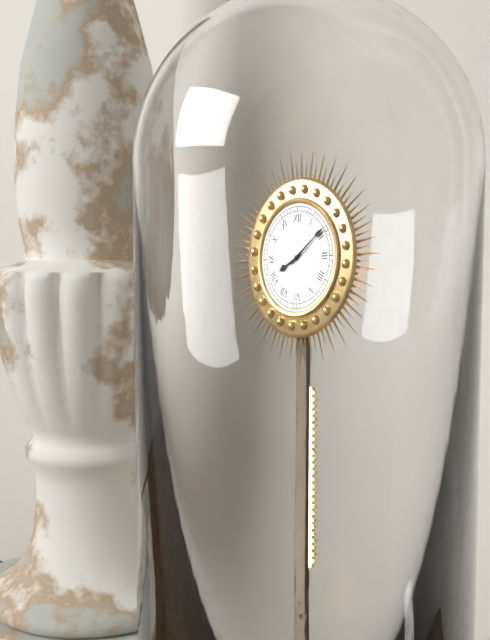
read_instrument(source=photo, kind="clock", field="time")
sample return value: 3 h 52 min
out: 8 h 09 min
